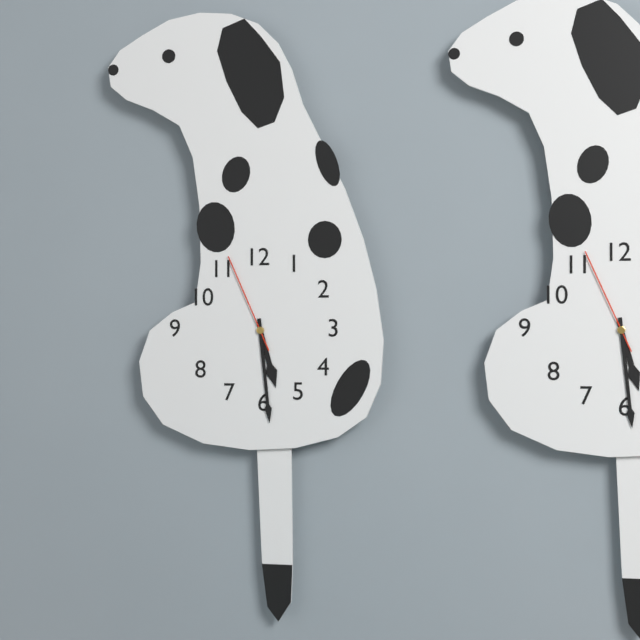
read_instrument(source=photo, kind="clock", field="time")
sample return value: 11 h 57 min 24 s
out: 5 h 29 min 56 s
